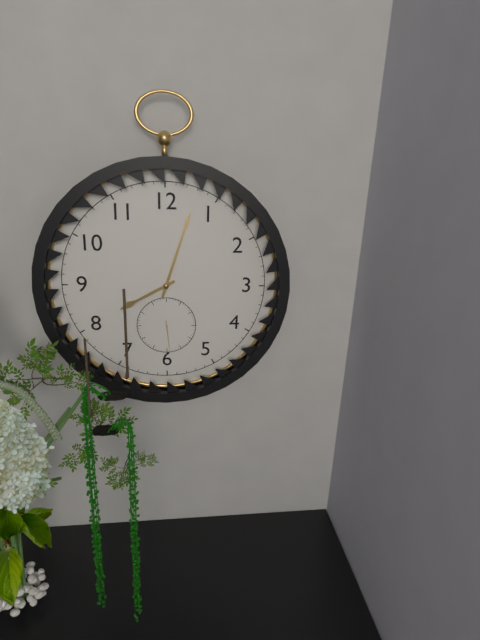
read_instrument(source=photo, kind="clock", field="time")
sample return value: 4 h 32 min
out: 8 h 03 min
